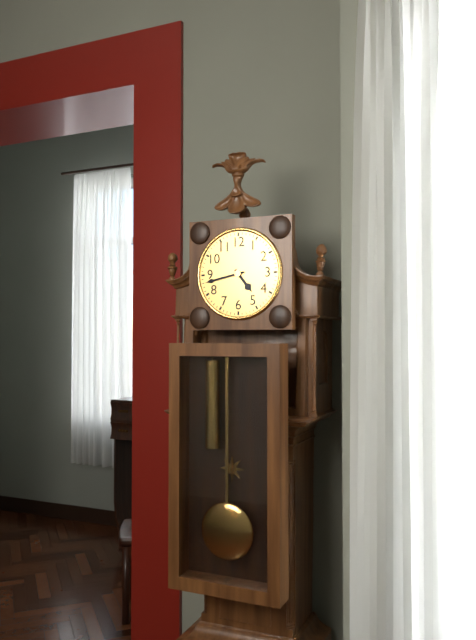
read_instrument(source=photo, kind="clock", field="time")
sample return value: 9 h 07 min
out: 4 h 43 min
